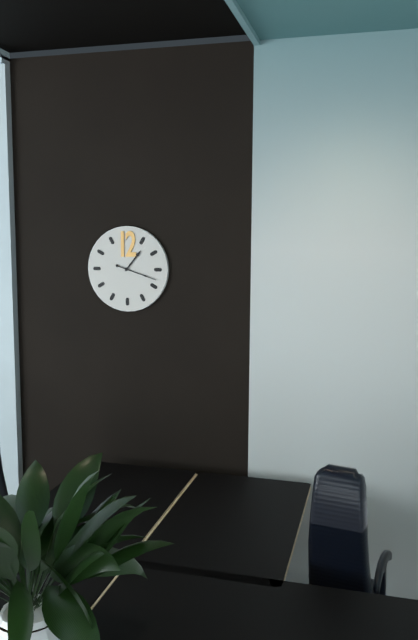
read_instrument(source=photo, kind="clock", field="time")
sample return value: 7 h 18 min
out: 1 h 18 min
